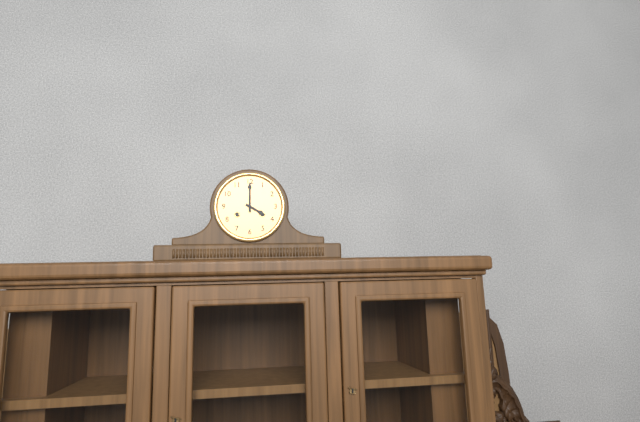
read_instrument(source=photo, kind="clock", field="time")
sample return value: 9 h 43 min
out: 4 h 00 min
